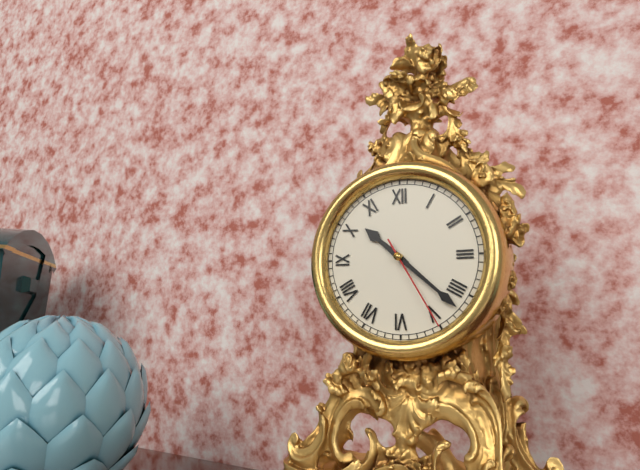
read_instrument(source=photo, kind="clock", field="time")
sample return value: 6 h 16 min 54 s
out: 10 h 22 min 25 s
